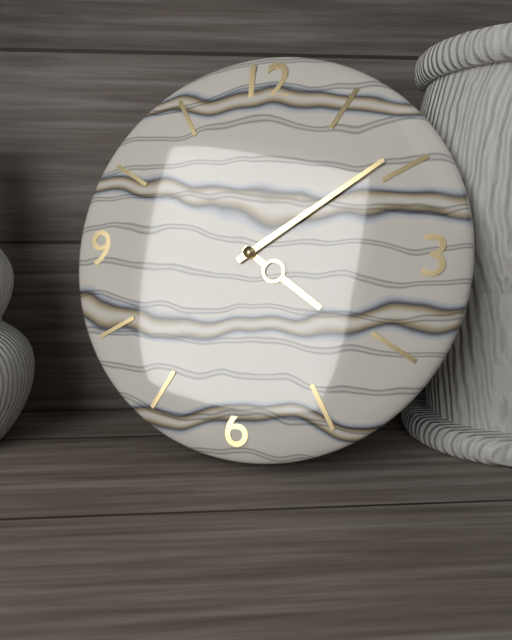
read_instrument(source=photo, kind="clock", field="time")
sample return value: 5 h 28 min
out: 4 h 09 min
